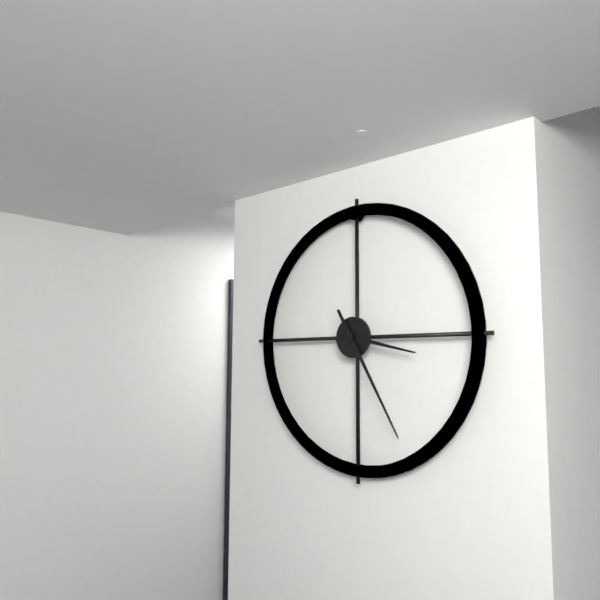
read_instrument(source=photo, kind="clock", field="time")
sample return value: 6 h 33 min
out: 3 h 25 min
